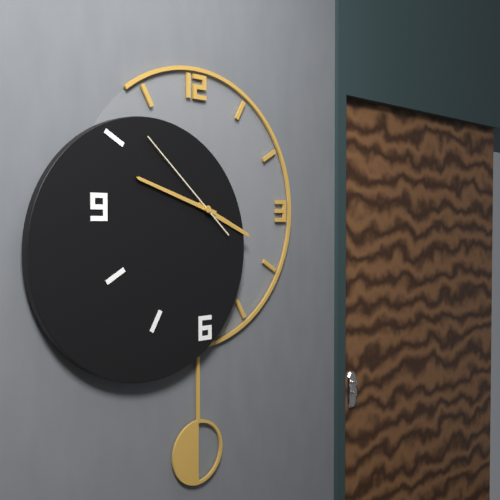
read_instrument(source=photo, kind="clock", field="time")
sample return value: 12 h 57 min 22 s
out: 3 h 48 min 52 s
